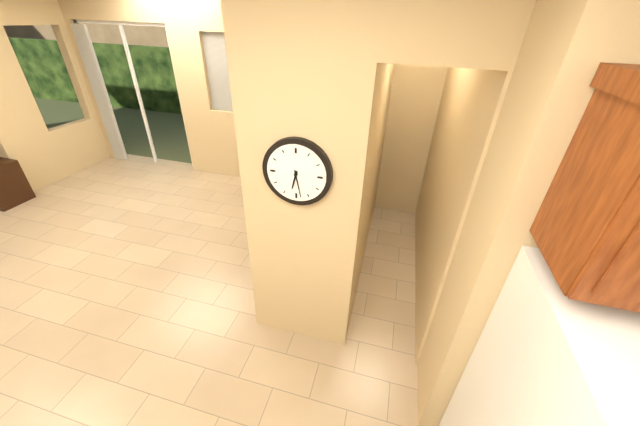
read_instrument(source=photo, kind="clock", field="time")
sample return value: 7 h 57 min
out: 6 h 28 min
